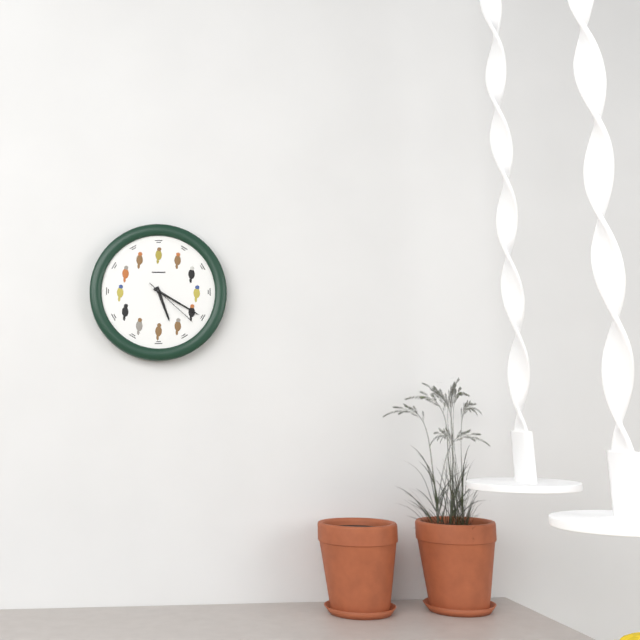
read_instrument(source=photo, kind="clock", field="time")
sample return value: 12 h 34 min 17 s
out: 5 h 20 min 22 s
